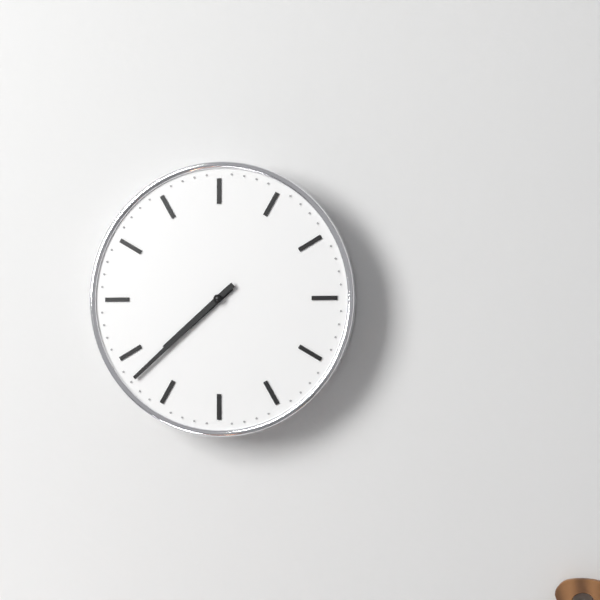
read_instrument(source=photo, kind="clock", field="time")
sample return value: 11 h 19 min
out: 7 h 38 min
